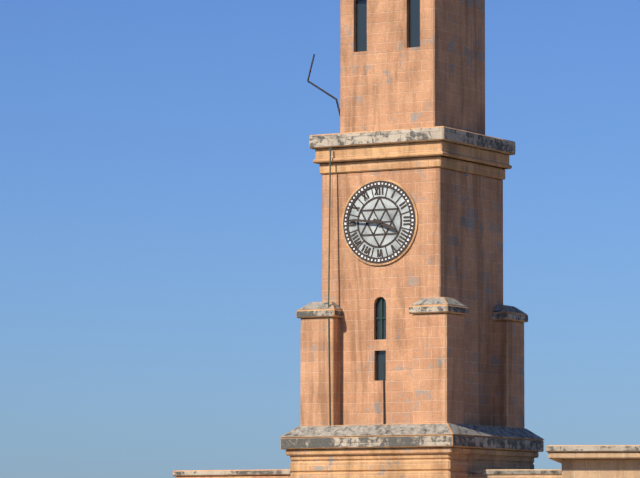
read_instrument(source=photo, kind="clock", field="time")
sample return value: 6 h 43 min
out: 3 h 46 min
